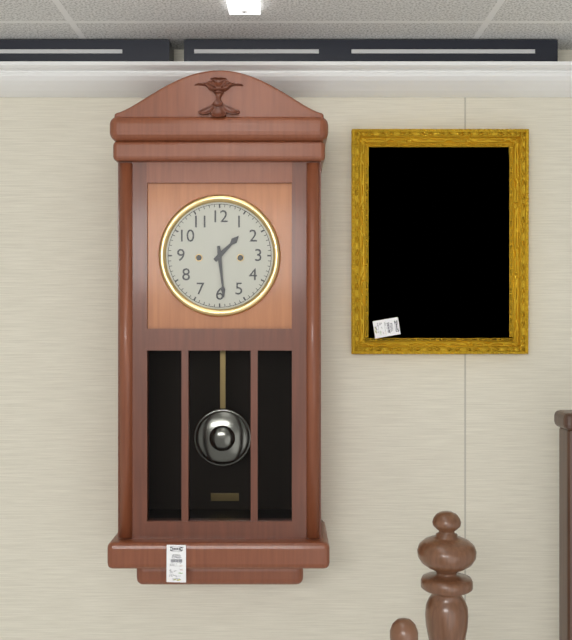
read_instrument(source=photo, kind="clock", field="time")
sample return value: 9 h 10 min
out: 1 h 29 min
